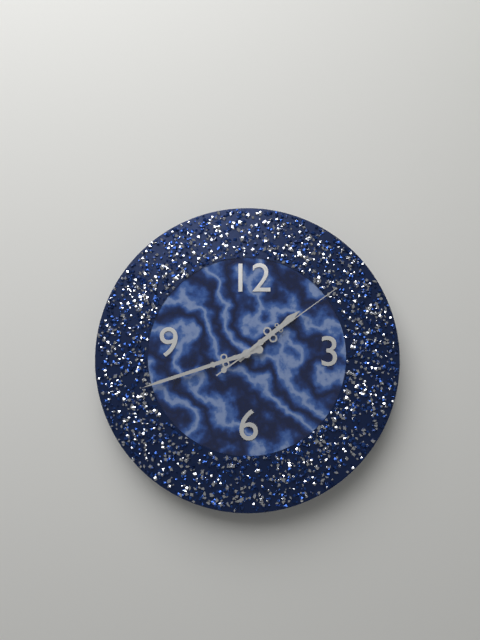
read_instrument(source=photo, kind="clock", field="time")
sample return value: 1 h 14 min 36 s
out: 1 h 42 min 09 s
